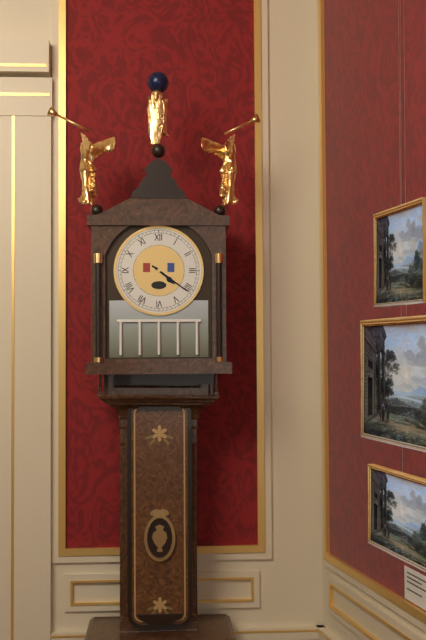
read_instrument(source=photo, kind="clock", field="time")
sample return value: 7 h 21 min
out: 4 h 21 min
